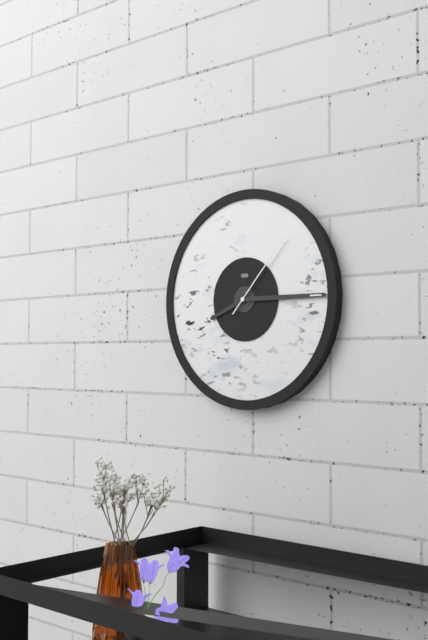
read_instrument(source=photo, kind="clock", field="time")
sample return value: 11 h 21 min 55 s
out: 8 h 15 min 07 s
